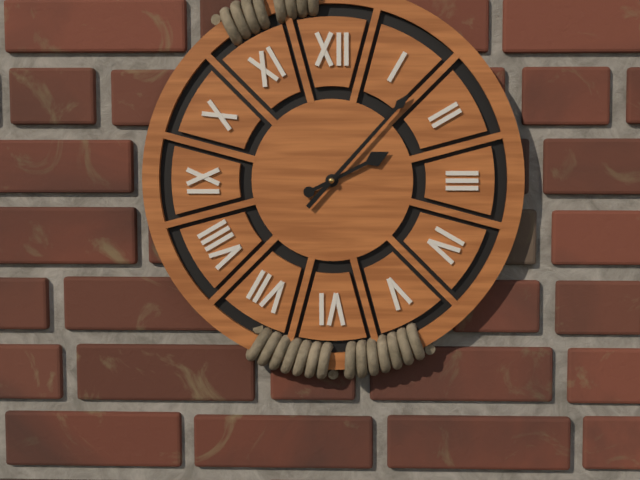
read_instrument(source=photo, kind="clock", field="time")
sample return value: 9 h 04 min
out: 2 h 07 min
